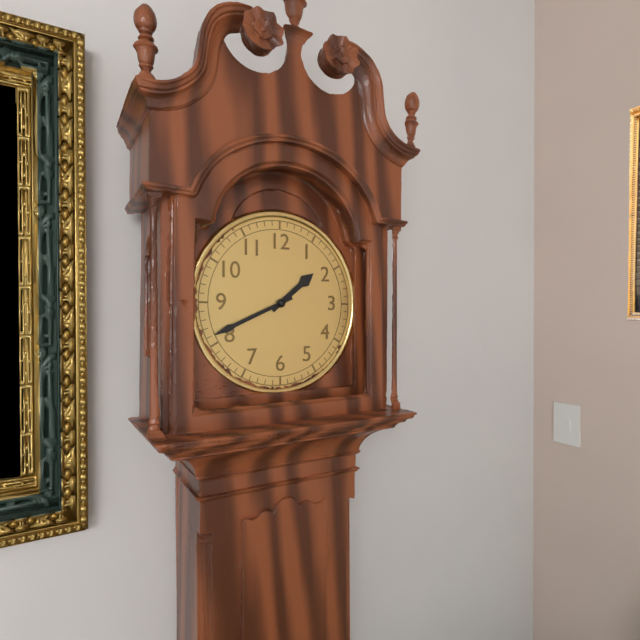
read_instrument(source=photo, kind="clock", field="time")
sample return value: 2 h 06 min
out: 1 h 41 min
